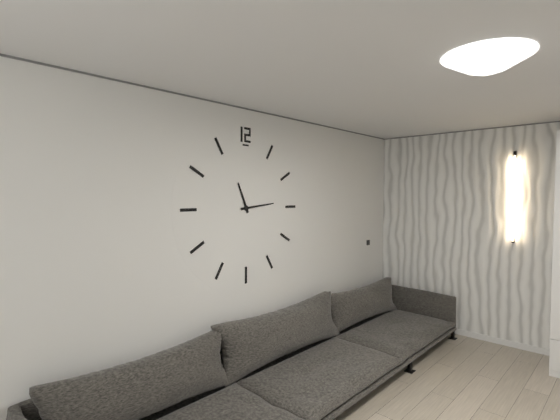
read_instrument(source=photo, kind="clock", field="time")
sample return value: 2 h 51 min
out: 11 h 14 min
